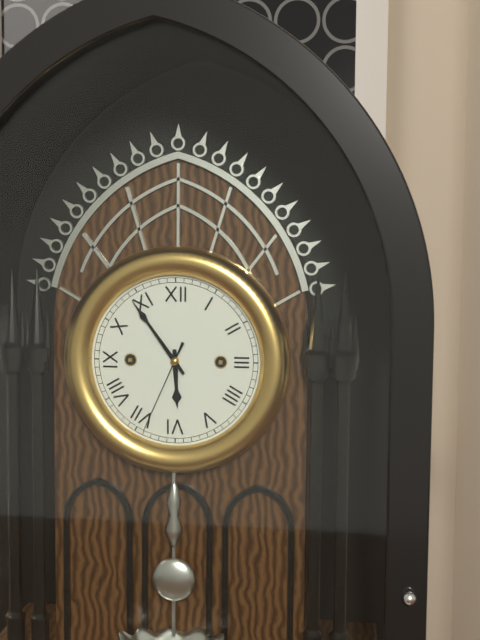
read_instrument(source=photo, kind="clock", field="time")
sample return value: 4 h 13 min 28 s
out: 5 h 54 min 34 s
